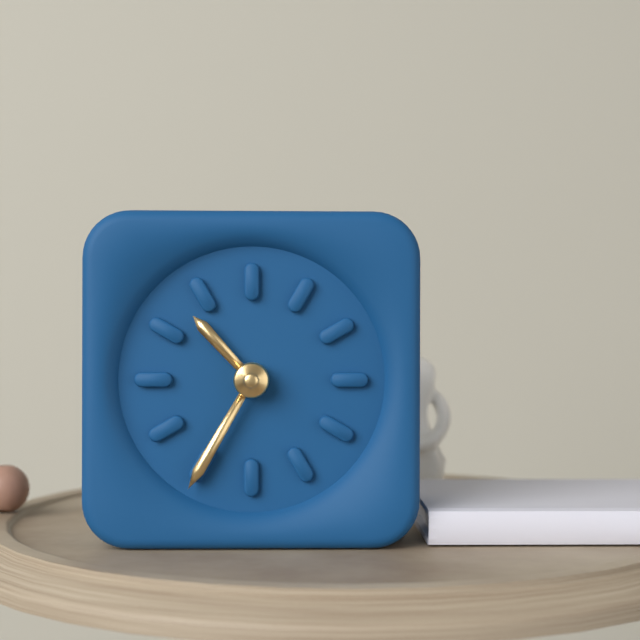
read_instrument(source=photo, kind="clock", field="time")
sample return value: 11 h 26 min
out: 10 h 35 min
